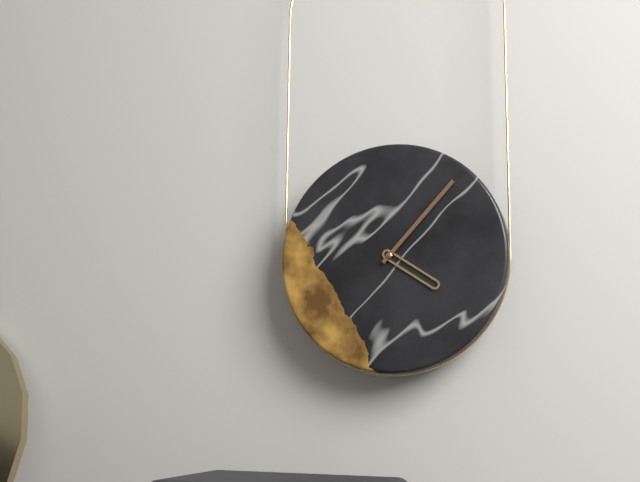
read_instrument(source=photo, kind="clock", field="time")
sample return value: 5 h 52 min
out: 4 h 07 min
